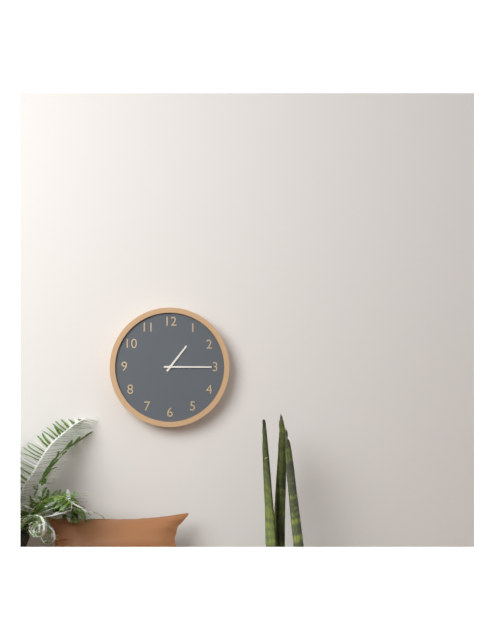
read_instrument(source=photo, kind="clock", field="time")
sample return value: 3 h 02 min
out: 1 h 15 min
